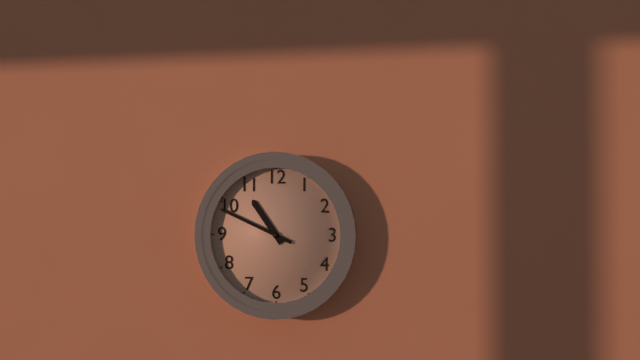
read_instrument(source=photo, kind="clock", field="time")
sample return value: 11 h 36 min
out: 10 h 49 min
